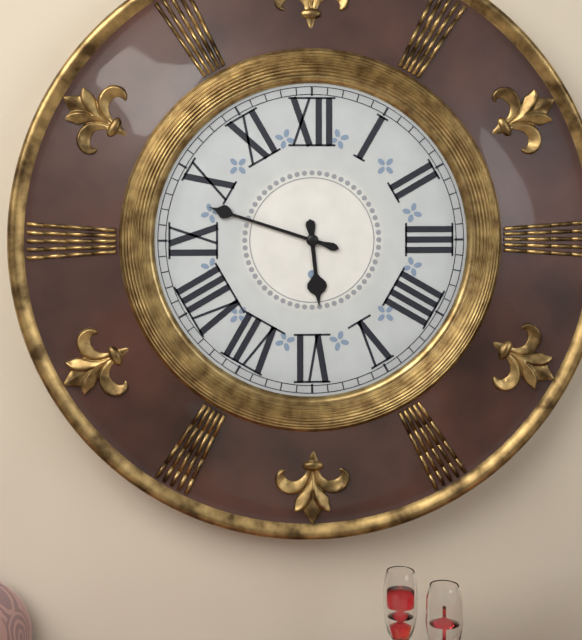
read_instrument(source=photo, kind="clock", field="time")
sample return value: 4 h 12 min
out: 5 h 48 min
